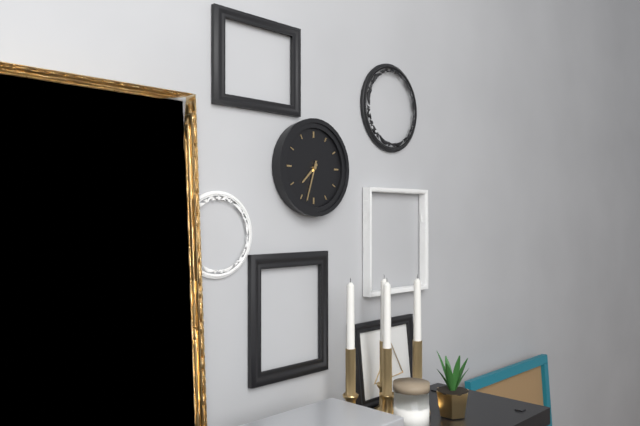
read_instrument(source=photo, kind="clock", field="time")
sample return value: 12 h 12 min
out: 7 h 33 min
